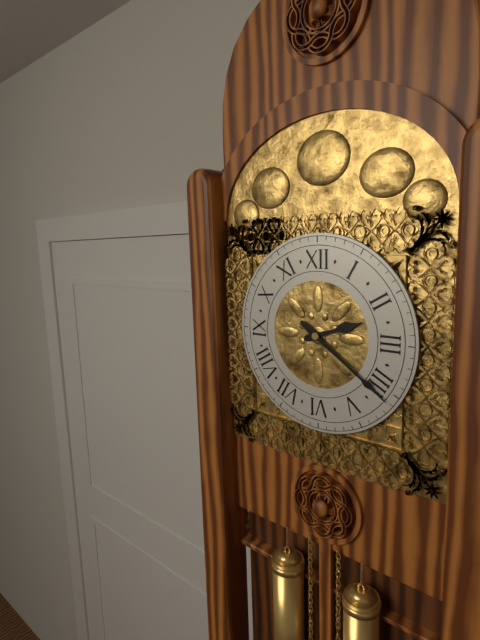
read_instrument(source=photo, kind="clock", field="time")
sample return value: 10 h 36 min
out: 2 h 21 min
